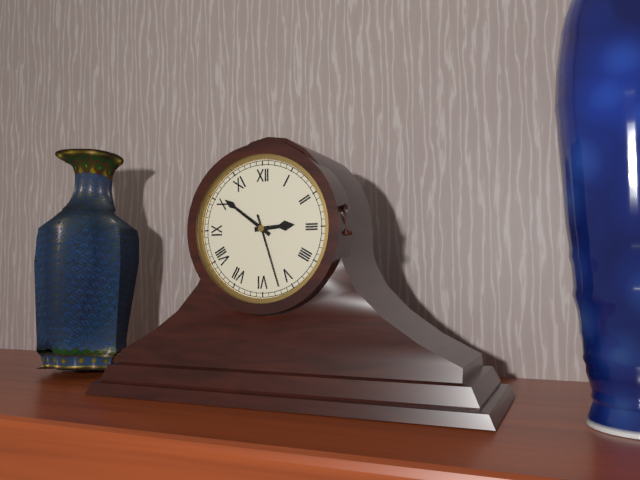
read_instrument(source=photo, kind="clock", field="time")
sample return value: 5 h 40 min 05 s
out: 2 h 51 min 27 s
